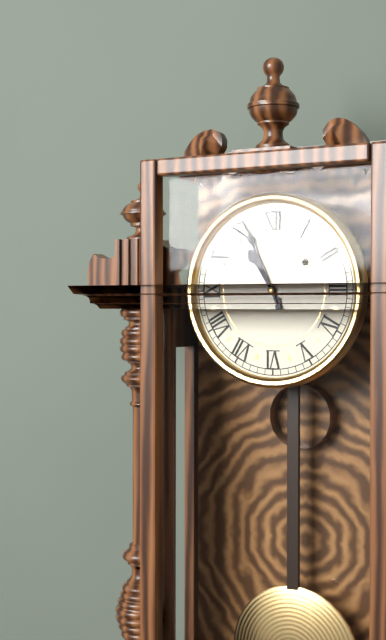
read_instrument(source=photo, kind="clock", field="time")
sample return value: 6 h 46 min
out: 10 h 56 min
